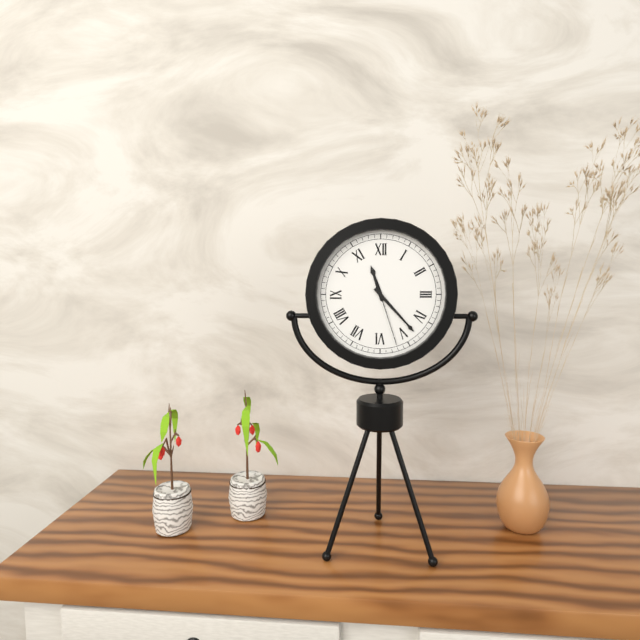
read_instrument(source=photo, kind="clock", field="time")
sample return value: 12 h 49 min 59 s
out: 11 h 23 min 27 s
